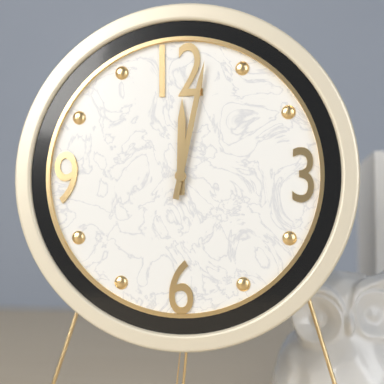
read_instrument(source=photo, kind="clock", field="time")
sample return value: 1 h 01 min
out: 12 h 02 min
